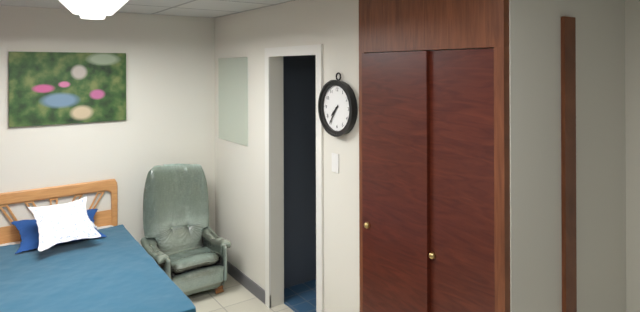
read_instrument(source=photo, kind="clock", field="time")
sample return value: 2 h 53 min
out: 7 h 36 min
